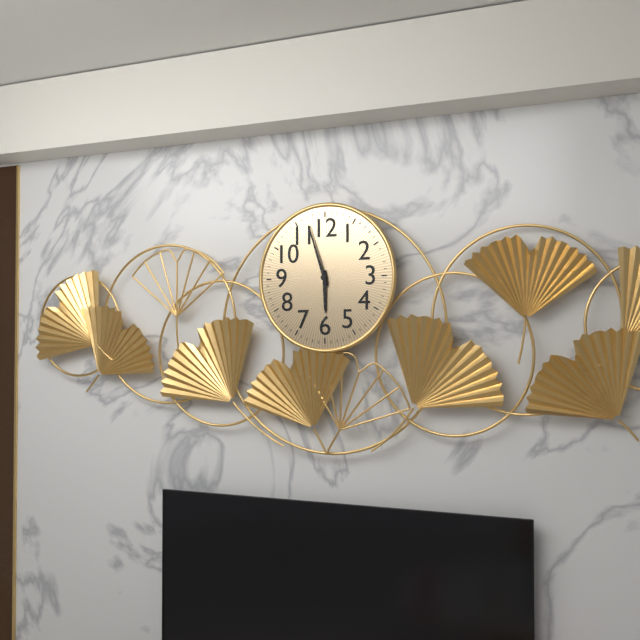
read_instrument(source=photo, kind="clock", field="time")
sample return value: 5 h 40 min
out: 5 h 57 min
